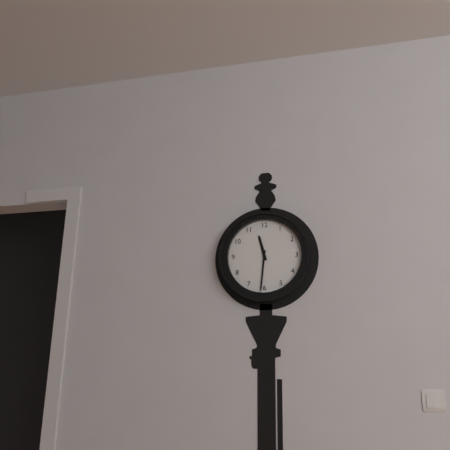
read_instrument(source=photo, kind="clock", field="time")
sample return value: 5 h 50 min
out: 11 h 31 min
